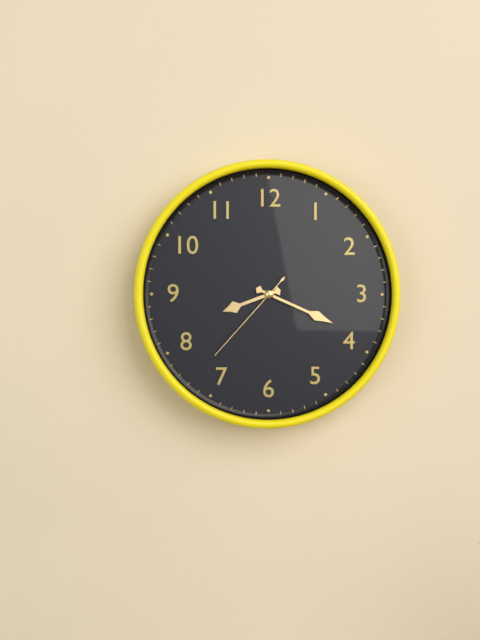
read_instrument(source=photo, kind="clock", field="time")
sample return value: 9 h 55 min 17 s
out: 8 h 19 min 37 s
